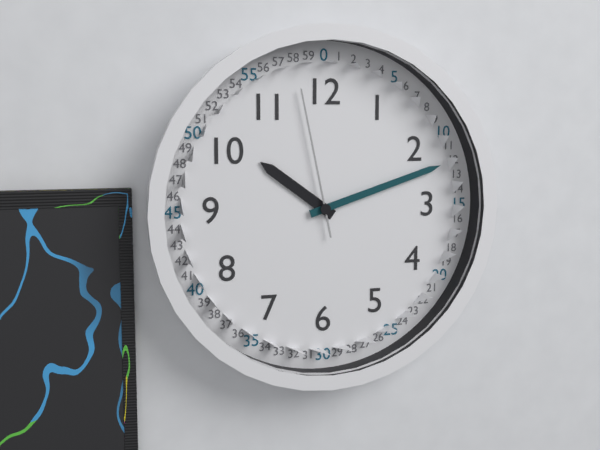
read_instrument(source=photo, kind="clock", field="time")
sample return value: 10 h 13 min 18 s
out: 10 h 12 min 58 s
